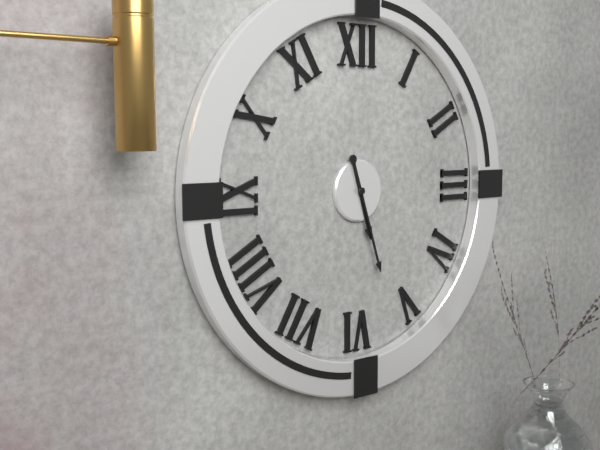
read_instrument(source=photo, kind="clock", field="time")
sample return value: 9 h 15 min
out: 5 h 27 min
